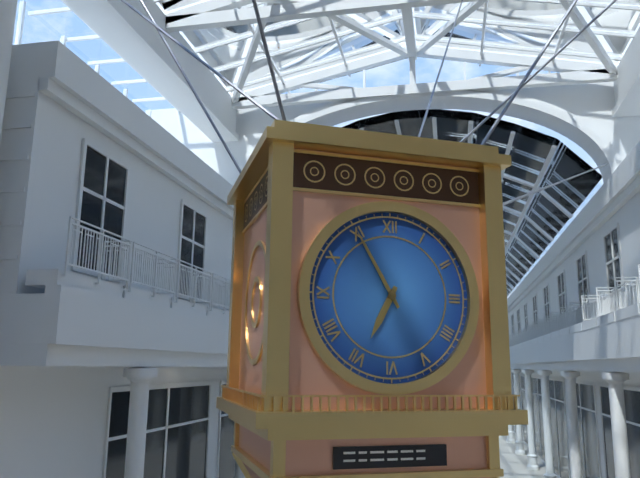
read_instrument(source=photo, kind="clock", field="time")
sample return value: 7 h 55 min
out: 6 h 55 min
